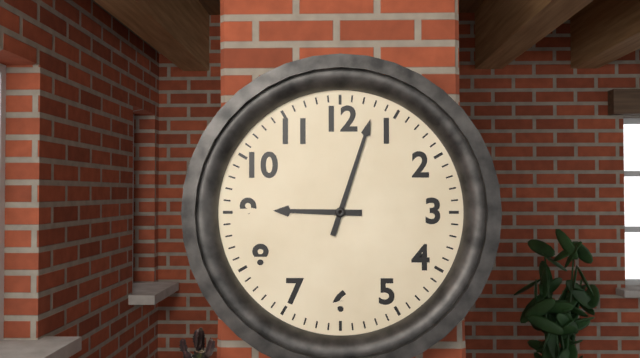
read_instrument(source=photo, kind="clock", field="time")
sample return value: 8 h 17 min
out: 9 h 03 min
